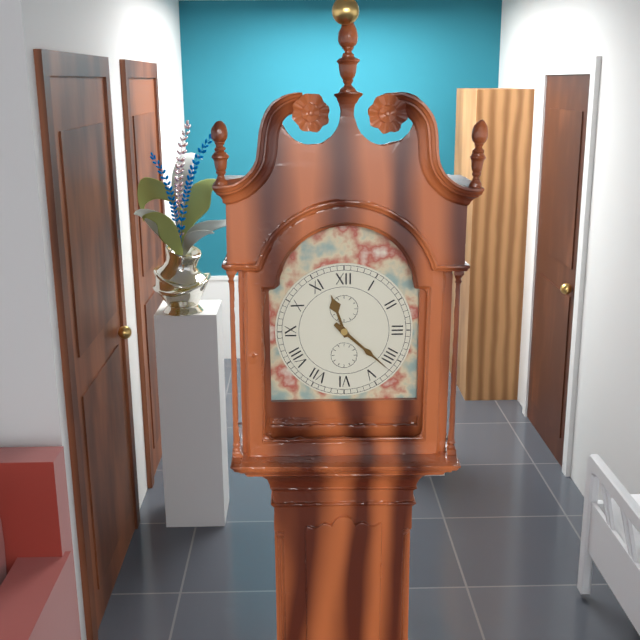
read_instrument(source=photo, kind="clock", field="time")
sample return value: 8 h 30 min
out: 11 h 22 min
